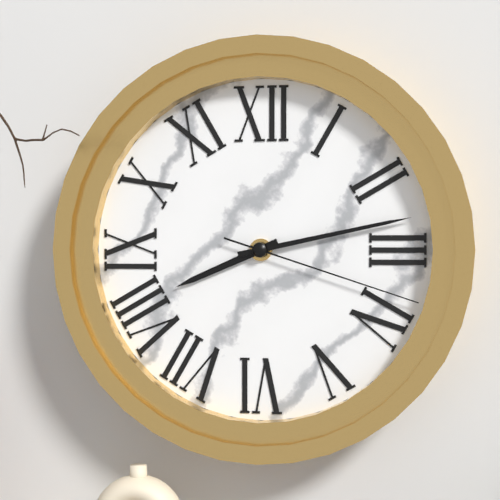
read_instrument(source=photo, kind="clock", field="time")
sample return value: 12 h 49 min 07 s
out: 8 h 13 min 18 s
